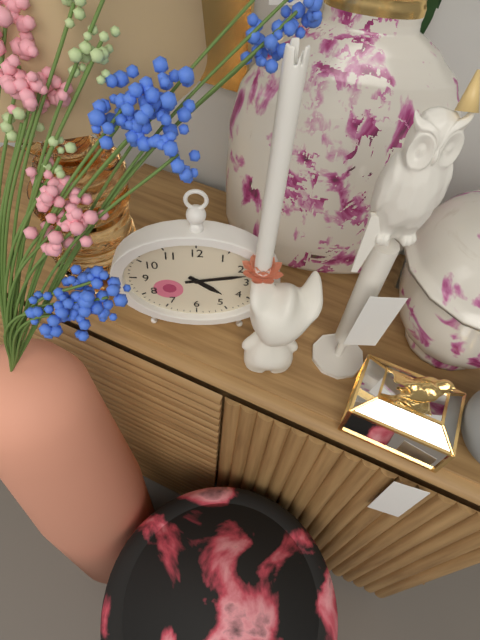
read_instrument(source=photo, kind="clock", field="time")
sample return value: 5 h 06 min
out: 4 h 13 min
